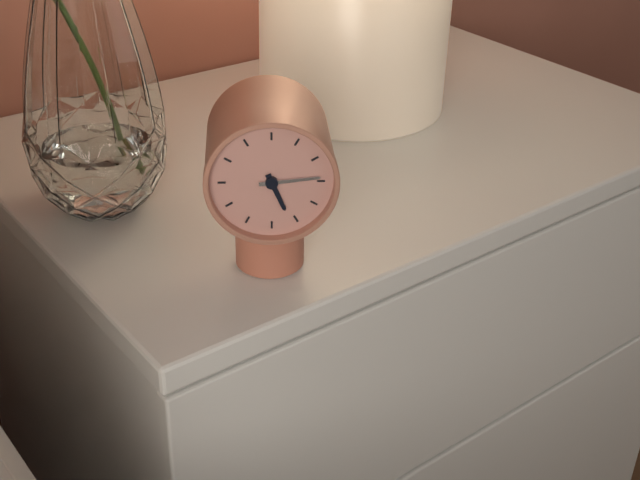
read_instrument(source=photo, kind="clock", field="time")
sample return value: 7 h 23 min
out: 5 h 14 min
